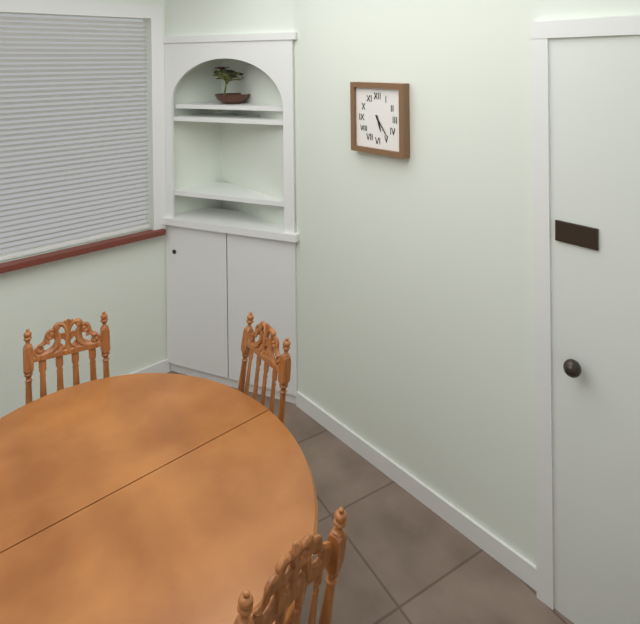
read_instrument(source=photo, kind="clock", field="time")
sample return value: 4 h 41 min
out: 5 h 24 min
